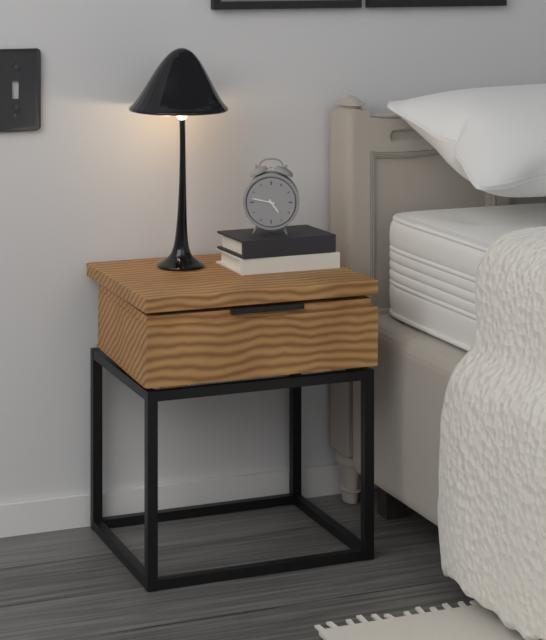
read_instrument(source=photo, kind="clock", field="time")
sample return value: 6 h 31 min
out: 4 h 47 min
